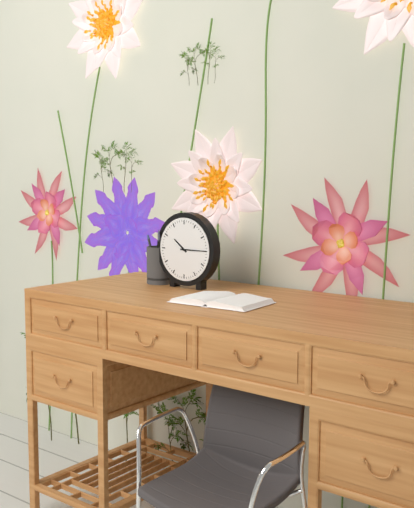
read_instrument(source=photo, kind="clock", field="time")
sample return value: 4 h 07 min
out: 10 h 15 min
